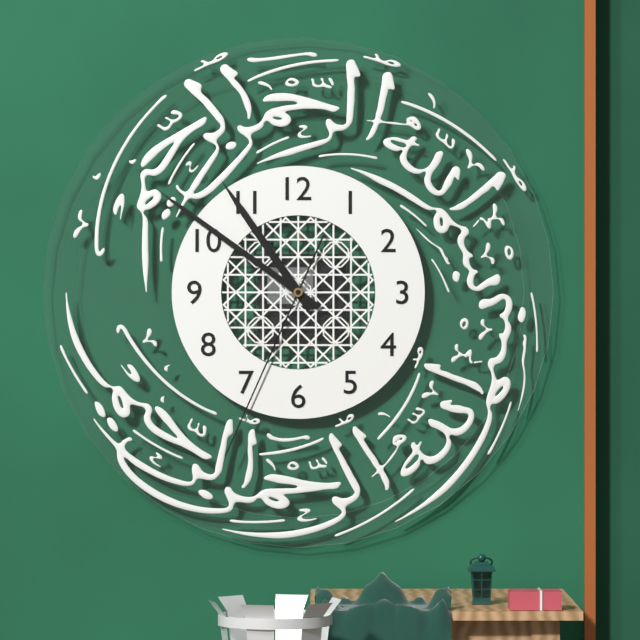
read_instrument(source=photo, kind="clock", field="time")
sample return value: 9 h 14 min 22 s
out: 10 h 51 min 34 s
